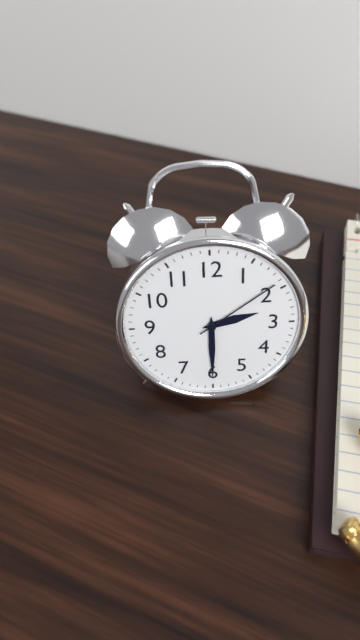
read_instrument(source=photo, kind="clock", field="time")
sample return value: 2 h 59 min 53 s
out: 2 h 30 min 09 s
